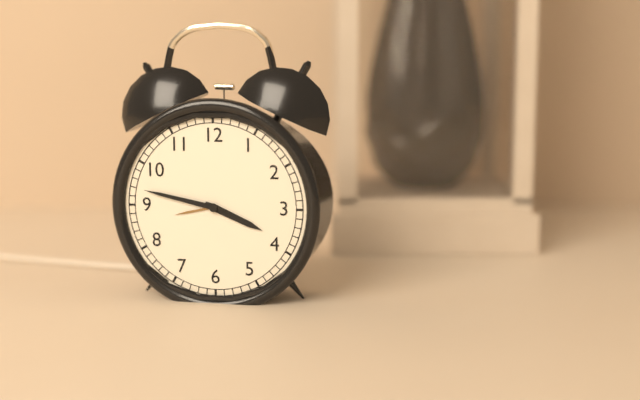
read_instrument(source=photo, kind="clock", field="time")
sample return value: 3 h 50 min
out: 3 h 47 min
